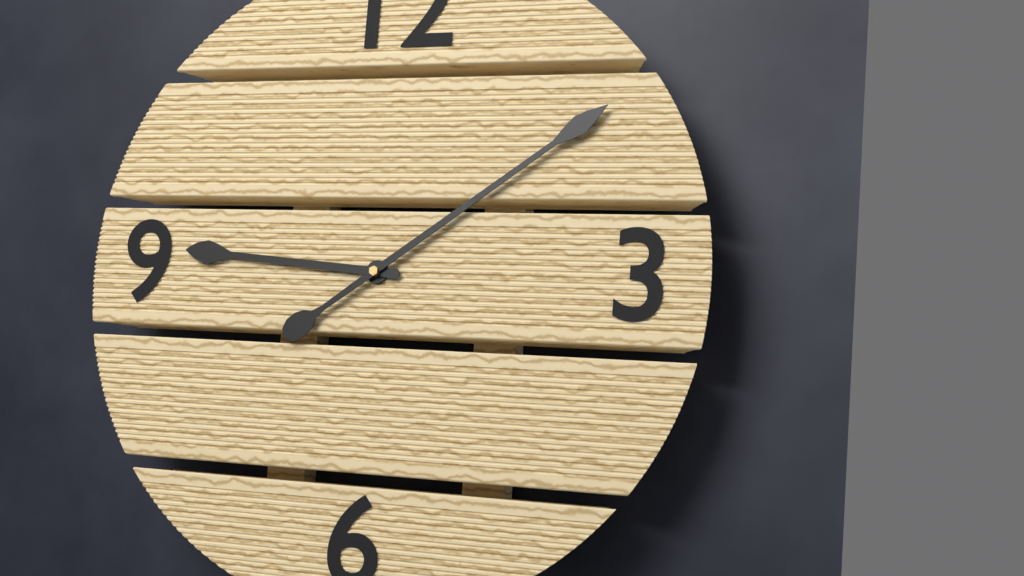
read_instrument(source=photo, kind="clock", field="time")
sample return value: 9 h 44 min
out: 9 h 09 min
